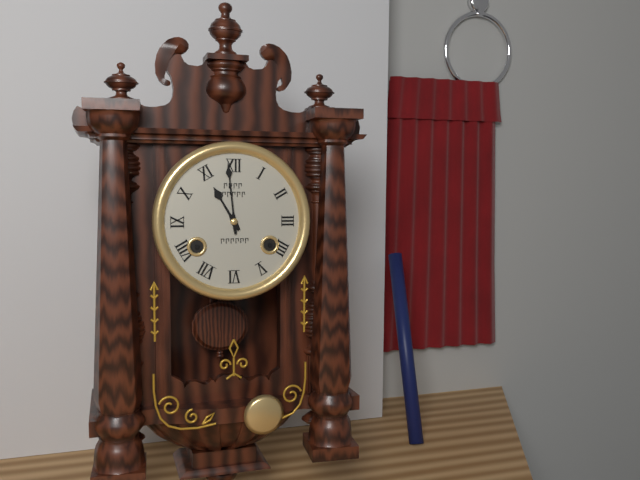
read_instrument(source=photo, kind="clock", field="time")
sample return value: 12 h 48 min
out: 10 h 59 min
